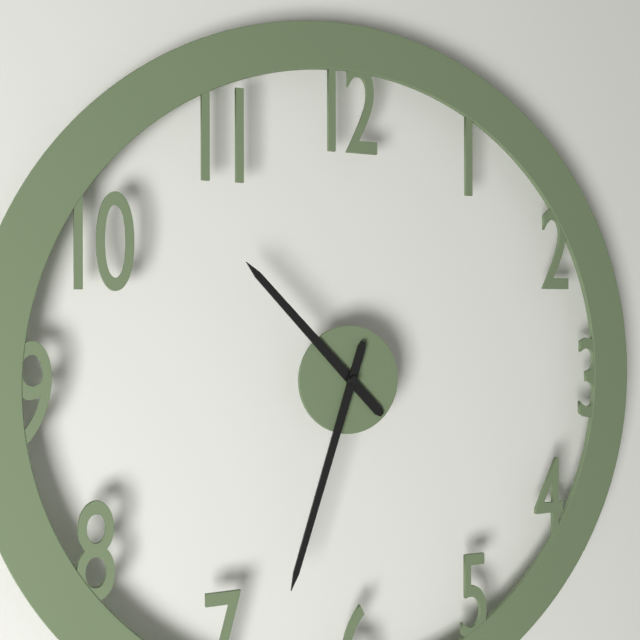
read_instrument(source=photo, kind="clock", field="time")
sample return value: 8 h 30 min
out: 10 h 33 min
